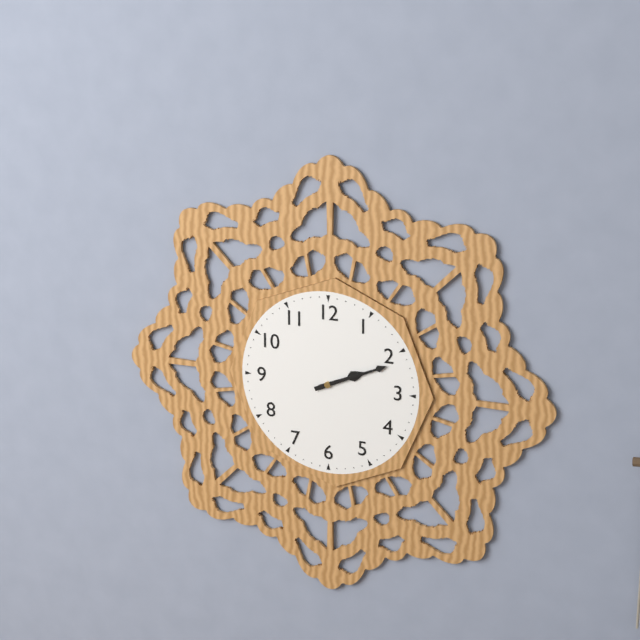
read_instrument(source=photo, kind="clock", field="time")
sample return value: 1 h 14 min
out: 2 h 11 min
